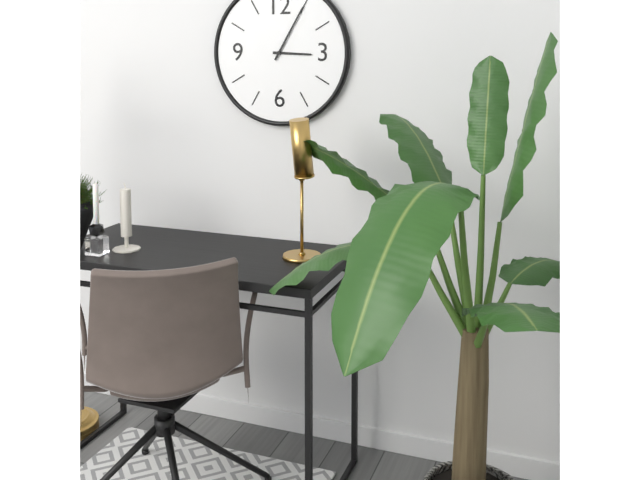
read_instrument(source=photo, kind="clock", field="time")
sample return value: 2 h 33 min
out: 3 h 05 min
